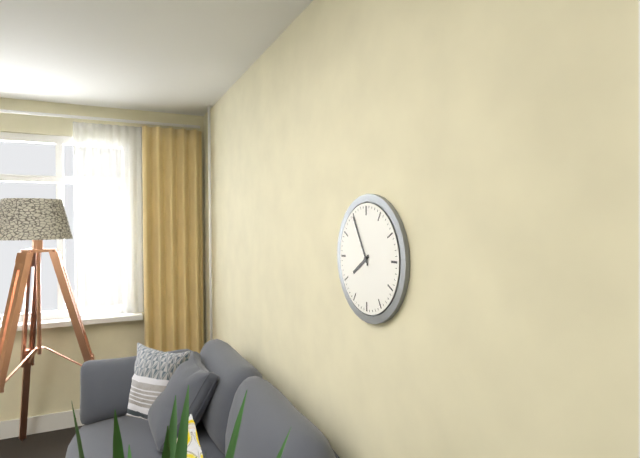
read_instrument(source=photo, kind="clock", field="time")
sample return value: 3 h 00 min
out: 7 h 55 min
